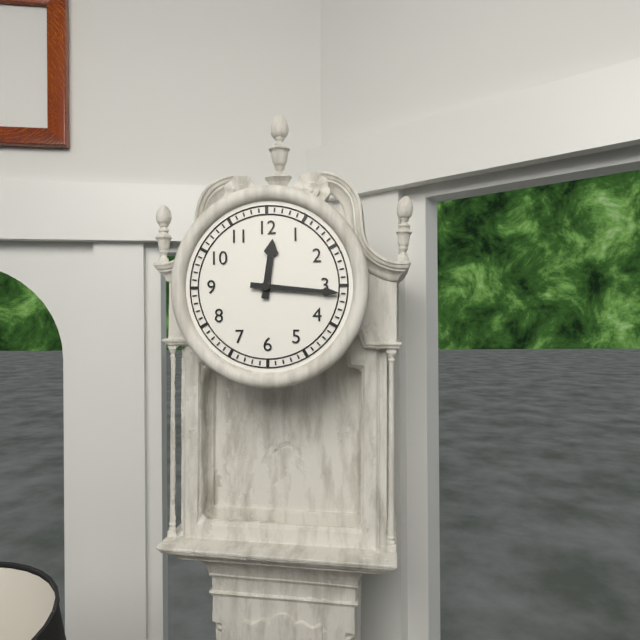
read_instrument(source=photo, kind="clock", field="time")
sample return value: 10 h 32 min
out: 12 h 16 min
